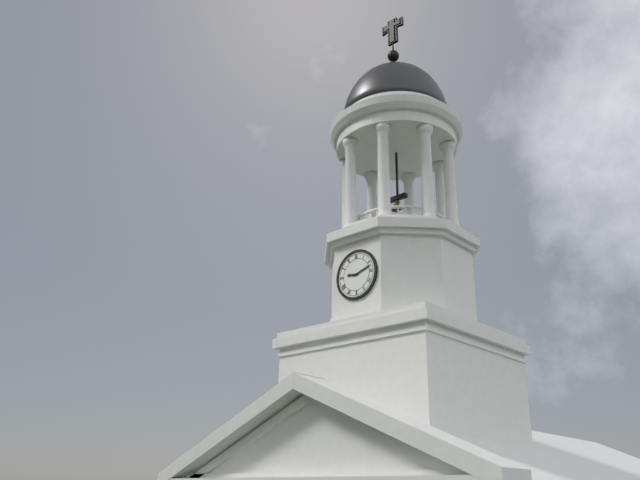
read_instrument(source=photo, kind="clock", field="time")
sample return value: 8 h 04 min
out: 9 h 12 min
